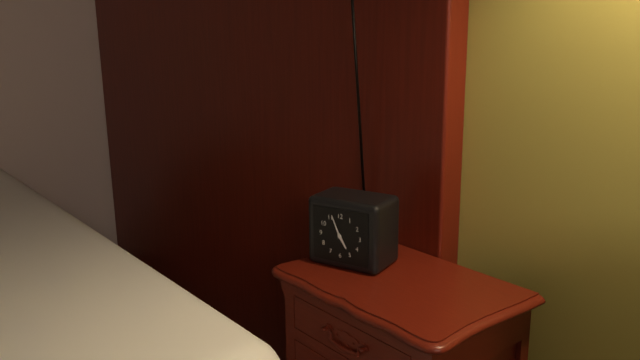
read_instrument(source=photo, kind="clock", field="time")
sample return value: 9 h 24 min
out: 4 h 56 min
